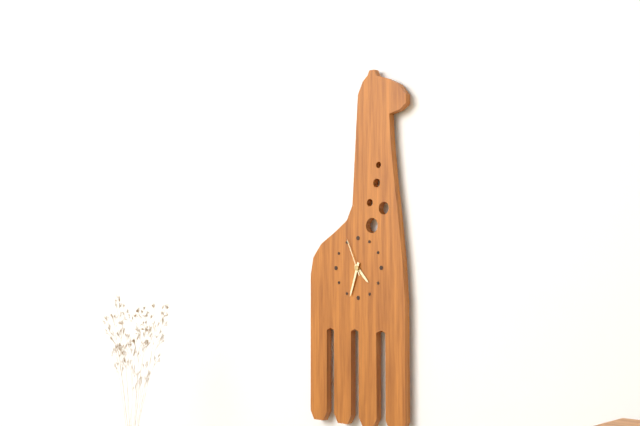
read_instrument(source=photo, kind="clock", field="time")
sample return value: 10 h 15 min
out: 4 h 33 min
